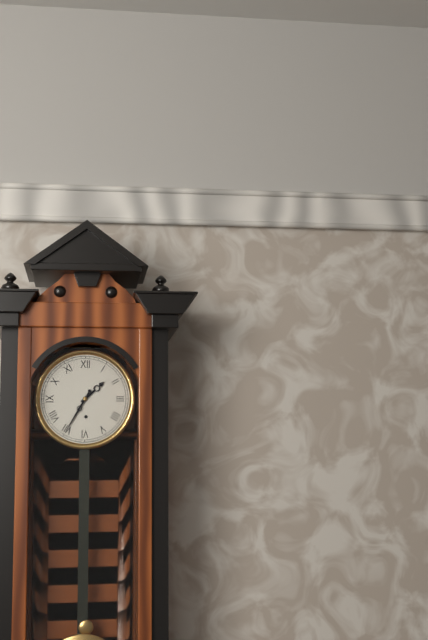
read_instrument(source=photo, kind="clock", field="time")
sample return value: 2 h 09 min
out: 1 h 35 min
